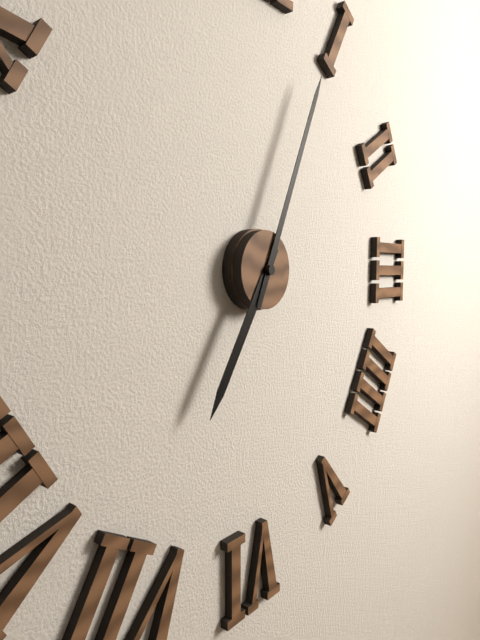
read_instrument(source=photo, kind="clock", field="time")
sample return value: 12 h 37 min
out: 7 h 04 min
